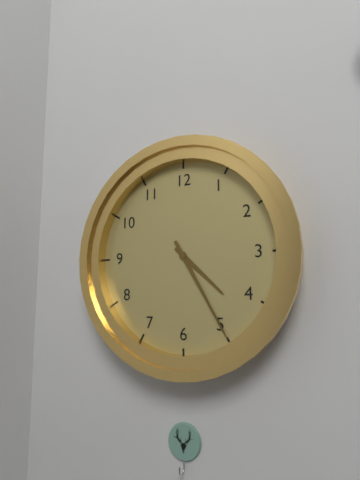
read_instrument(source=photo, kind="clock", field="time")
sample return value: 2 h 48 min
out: 4 h 25 min
